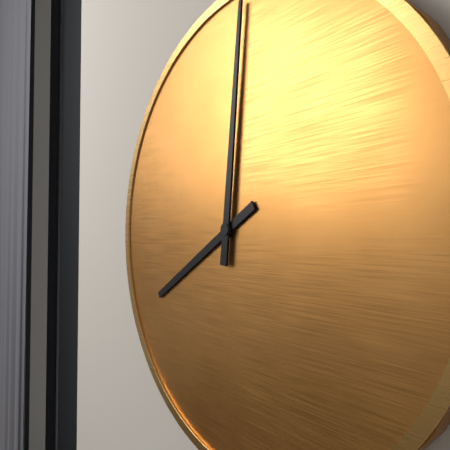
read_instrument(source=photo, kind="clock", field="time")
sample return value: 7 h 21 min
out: 8 h 01 min
